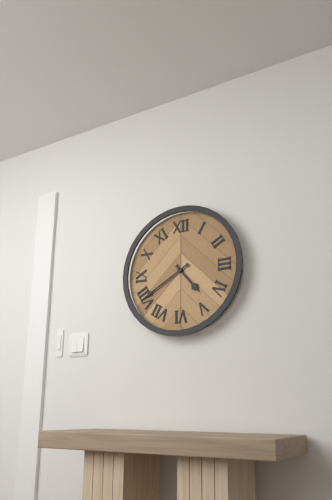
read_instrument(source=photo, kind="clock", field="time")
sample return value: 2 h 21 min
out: 4 h 40 min
